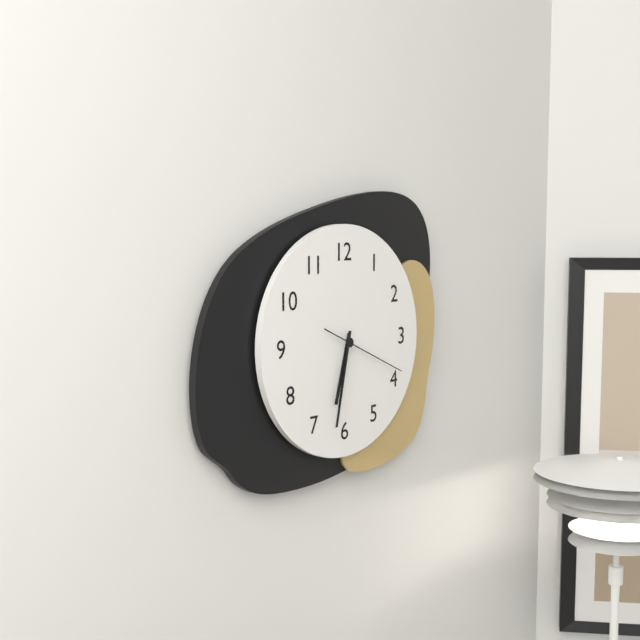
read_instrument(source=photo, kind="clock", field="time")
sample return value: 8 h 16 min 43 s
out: 6 h 32 min 19 s
